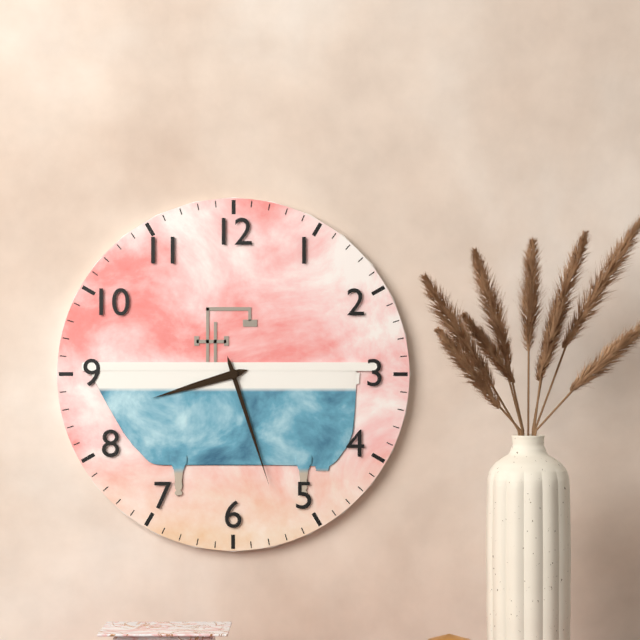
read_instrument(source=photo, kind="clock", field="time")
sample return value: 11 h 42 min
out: 8 h 27 min
